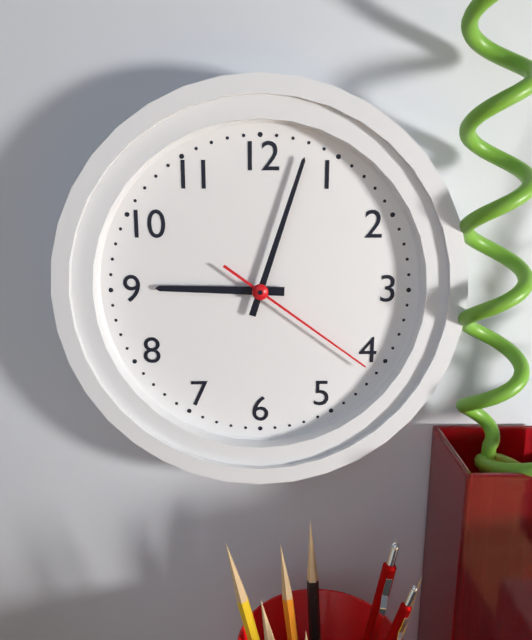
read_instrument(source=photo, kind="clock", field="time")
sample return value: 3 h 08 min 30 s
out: 9 h 03 min 21 s
